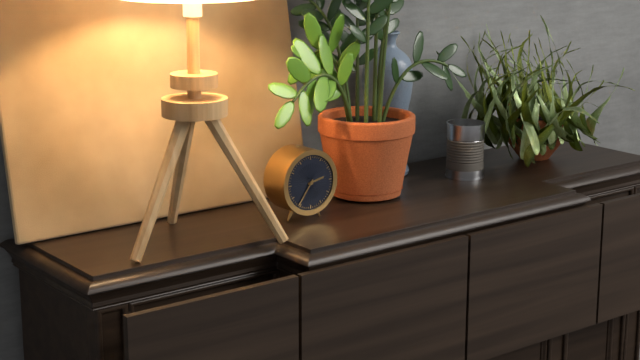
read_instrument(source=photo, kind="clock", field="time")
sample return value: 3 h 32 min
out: 2 h 36 min
